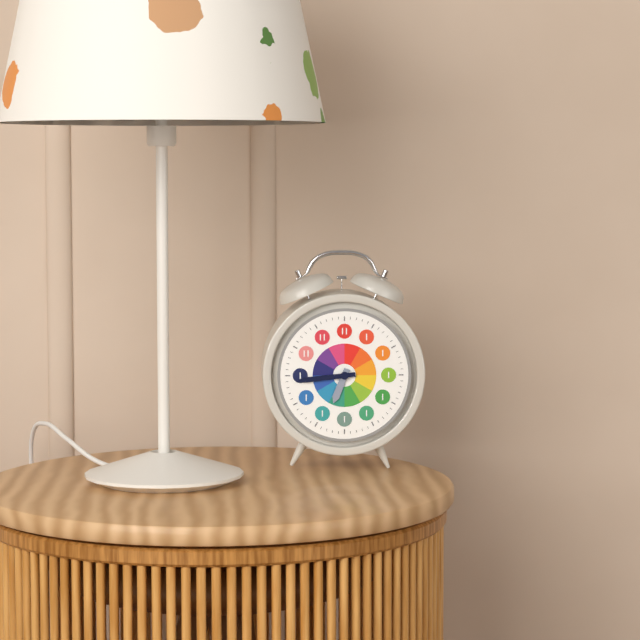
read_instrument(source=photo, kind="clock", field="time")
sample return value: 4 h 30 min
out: 6 h 44 min
